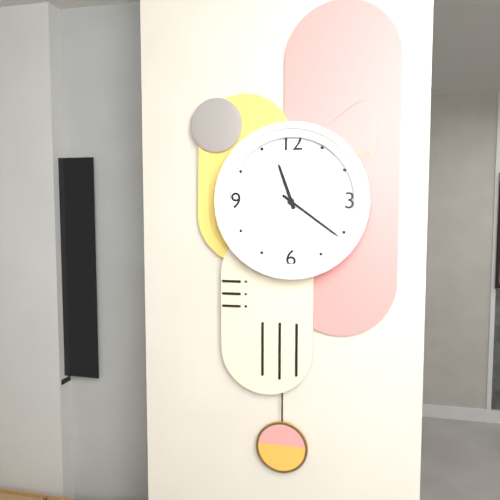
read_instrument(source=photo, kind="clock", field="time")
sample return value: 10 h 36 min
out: 11 h 21 min
